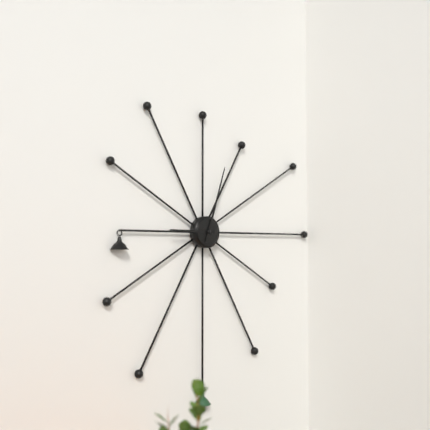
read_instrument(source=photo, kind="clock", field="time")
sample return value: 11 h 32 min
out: 9 h 03 min
